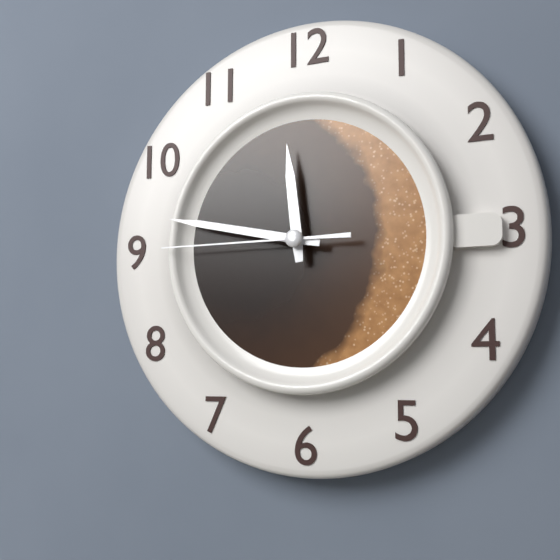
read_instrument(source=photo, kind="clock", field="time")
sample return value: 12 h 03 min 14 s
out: 11 h 47 min 45 s
